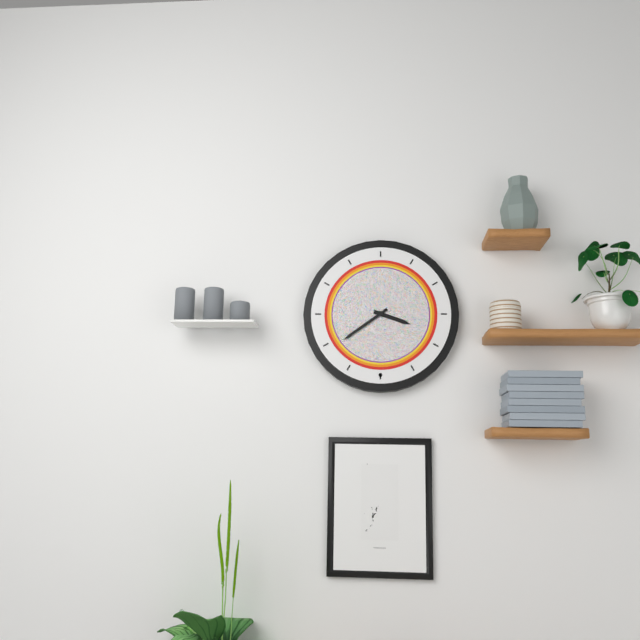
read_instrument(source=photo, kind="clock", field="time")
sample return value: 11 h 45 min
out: 3 h 39 min
